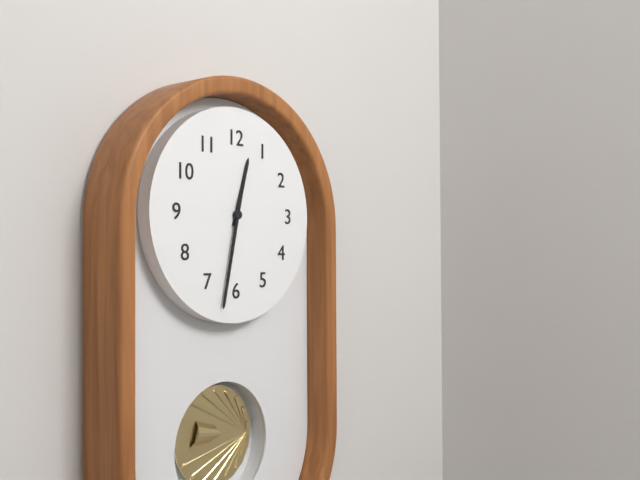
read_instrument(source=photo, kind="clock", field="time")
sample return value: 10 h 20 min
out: 12 h 32 min
